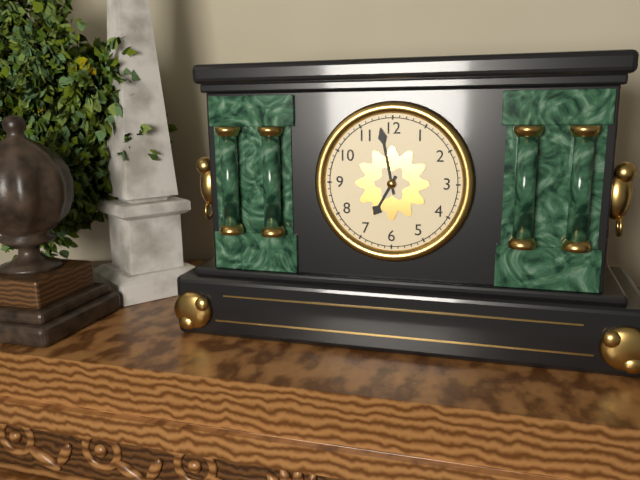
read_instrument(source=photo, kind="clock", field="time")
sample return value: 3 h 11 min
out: 6 h 58 min
